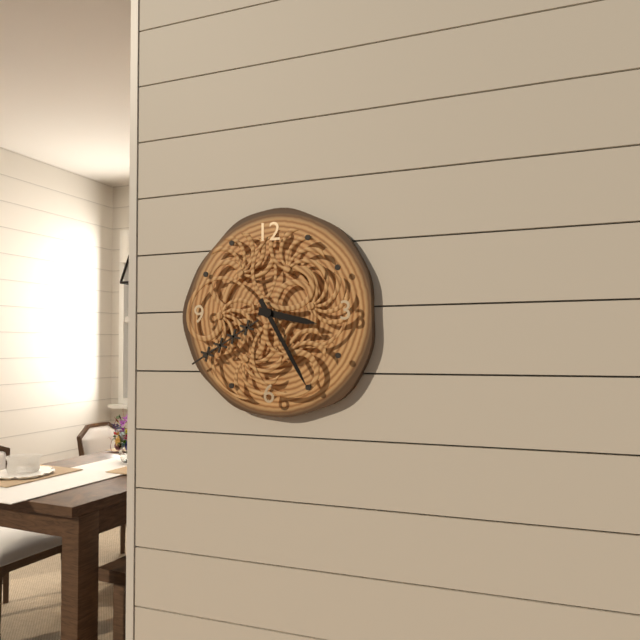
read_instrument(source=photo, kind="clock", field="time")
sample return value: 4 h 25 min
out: 3 h 25 min
